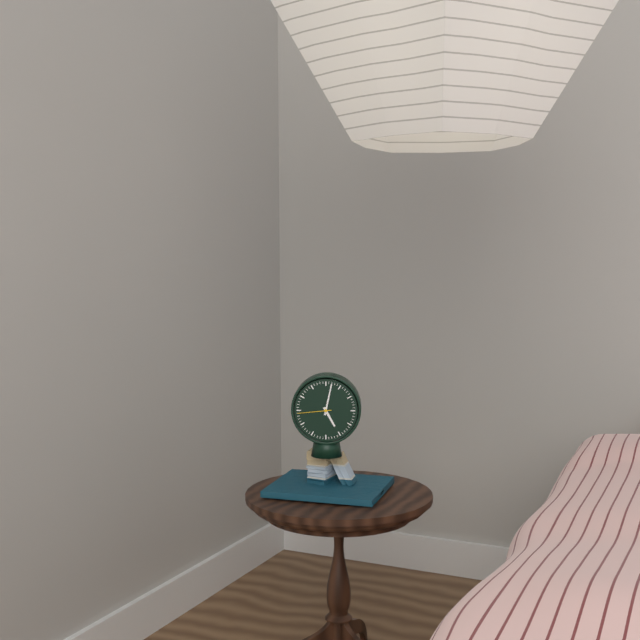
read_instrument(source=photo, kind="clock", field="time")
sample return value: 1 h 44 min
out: 5 h 02 min
